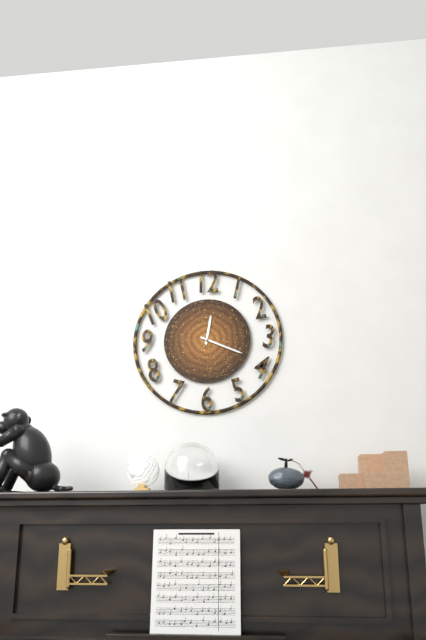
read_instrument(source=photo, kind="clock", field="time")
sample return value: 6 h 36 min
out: 12 h 19 min
